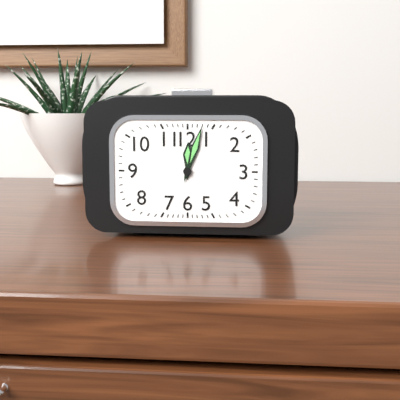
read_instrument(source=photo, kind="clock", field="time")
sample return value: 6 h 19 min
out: 12 h 03 min
